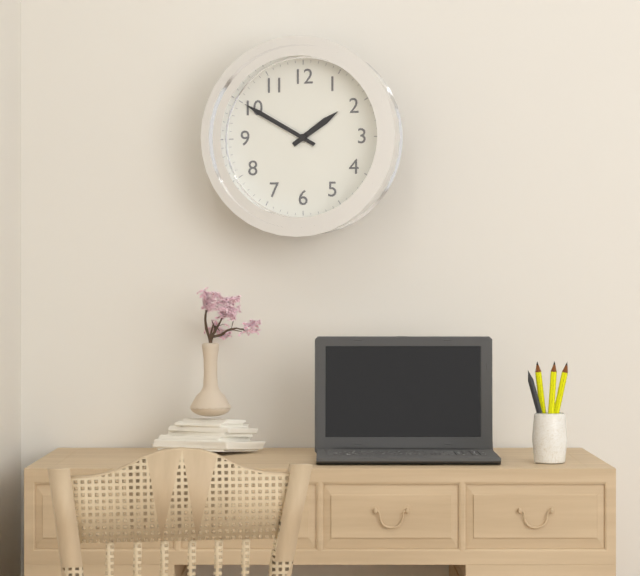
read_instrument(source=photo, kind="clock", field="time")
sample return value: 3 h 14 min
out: 1 h 50 min
